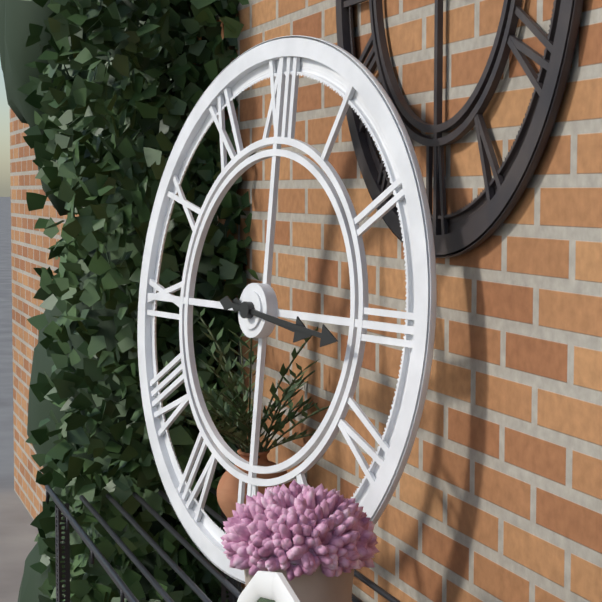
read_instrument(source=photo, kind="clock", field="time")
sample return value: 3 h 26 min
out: 3 h 16 min
